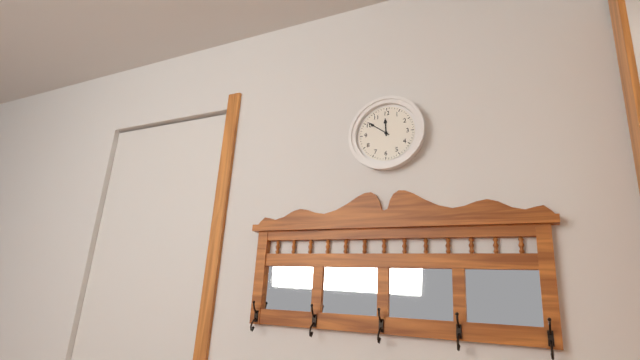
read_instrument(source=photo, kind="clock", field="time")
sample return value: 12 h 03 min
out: 11 h 51 min
